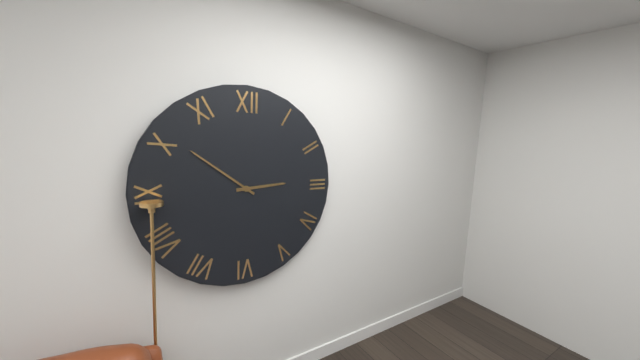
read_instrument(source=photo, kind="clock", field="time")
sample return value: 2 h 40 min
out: 2 h 51 min
